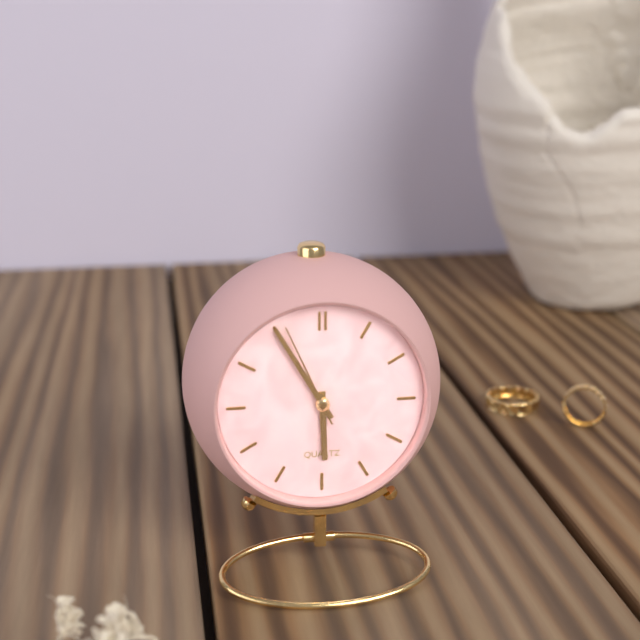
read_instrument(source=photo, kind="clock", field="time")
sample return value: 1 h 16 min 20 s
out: 5 h 55 min 56 s
